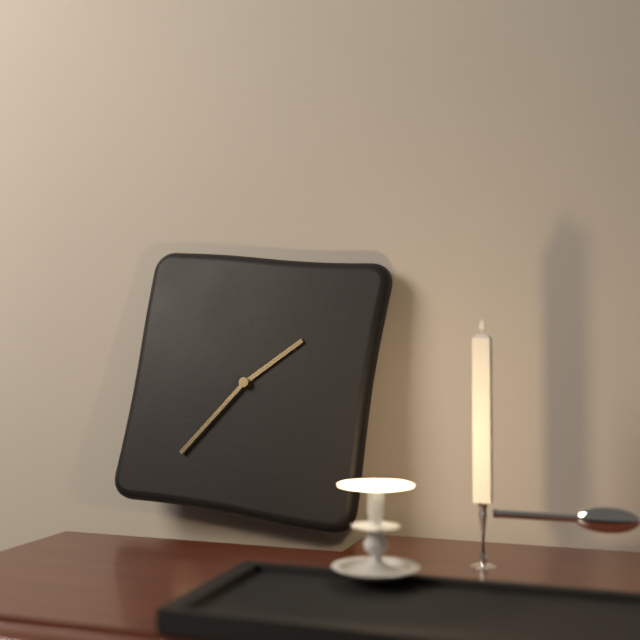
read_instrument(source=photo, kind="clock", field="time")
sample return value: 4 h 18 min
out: 1 h 36 min
